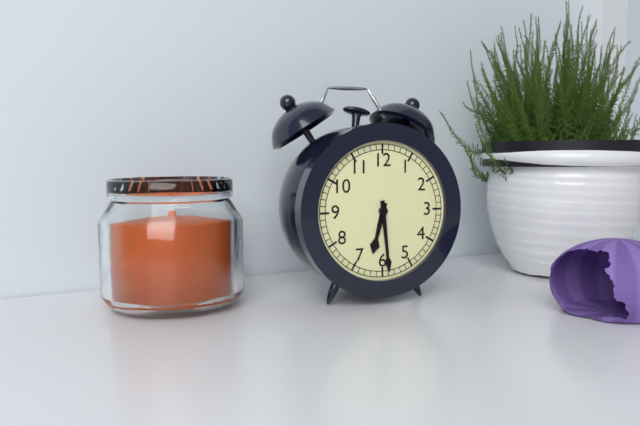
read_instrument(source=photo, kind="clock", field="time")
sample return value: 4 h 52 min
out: 6 h 29 min
